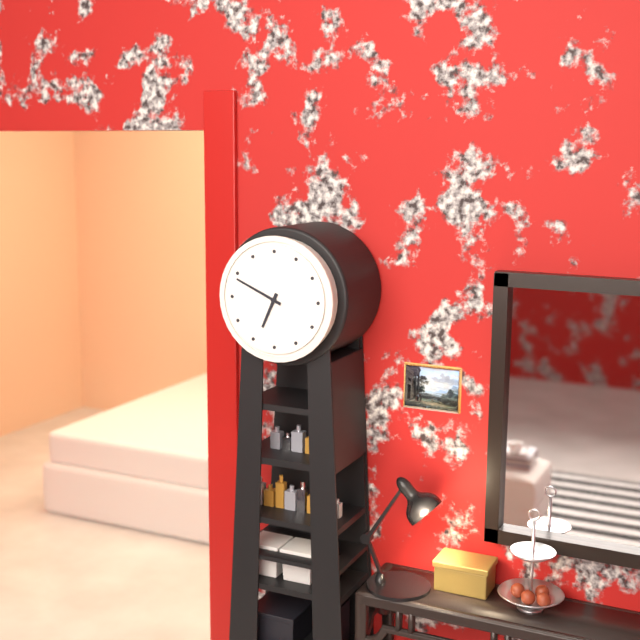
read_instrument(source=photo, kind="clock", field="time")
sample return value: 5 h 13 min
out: 6 h 49 min
